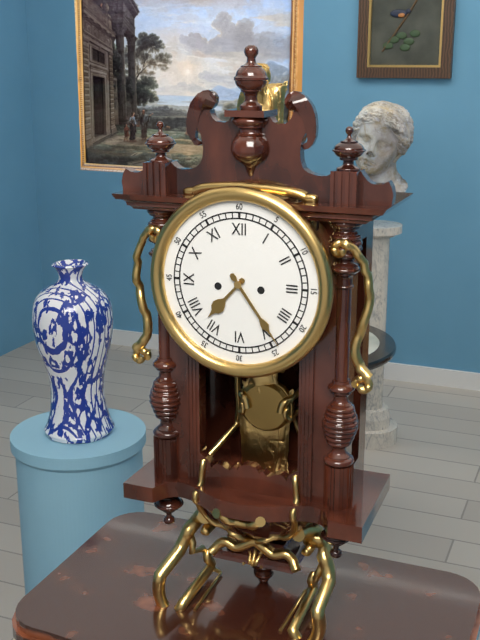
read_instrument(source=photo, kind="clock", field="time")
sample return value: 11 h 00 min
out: 7 h 24 min
